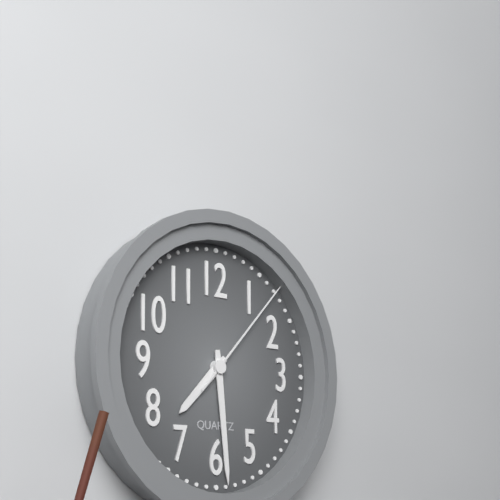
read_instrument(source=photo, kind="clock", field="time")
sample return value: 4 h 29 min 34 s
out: 7 h 29 min 07 s
